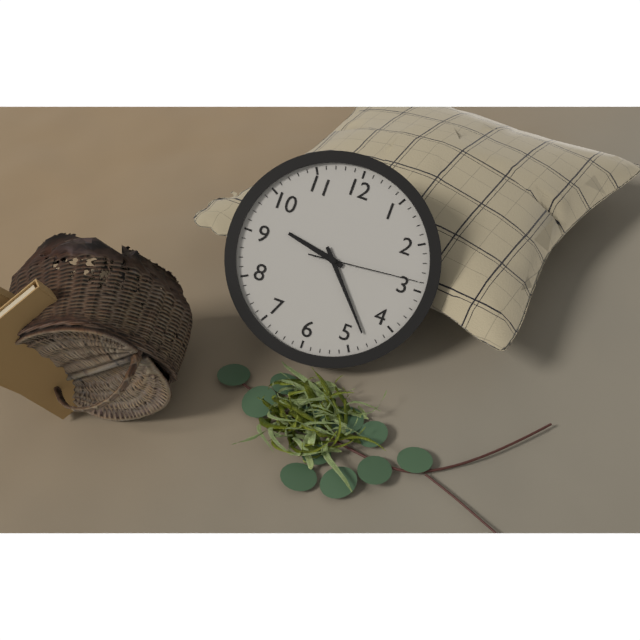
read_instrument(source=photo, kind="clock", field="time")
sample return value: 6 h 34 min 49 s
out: 9 h 23 min 14 s
